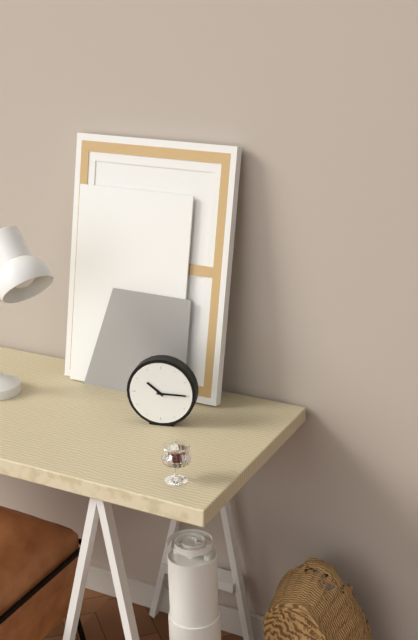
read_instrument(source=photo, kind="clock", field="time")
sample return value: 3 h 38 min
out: 10 h 15 min
